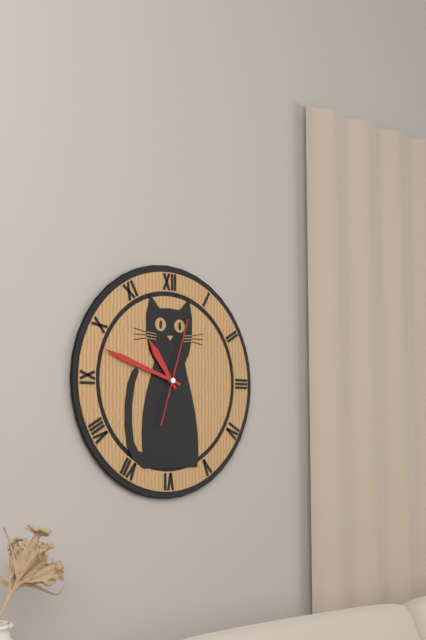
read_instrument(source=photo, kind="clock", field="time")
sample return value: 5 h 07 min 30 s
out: 10 h 48 min 03 s
